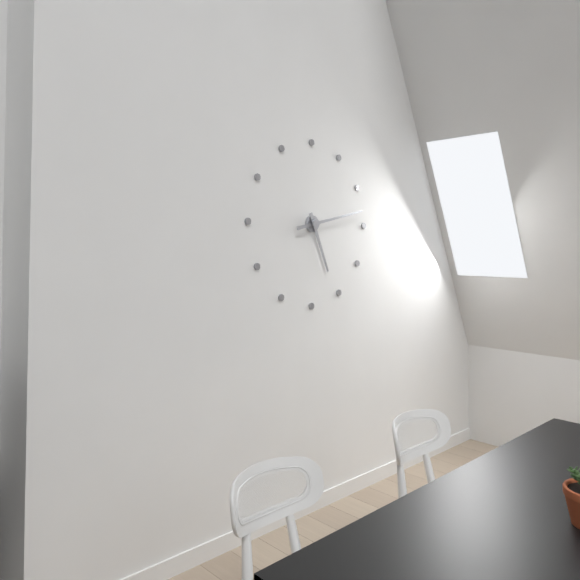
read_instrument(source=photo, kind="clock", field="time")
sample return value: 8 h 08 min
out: 5 h 13 min
